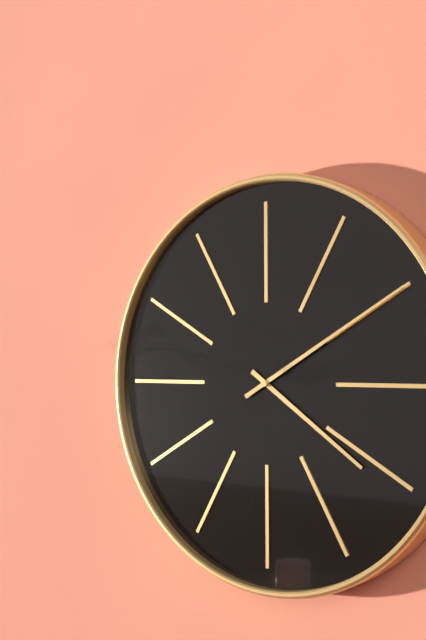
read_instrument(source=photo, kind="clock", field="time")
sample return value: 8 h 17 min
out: 4 h 10 min
